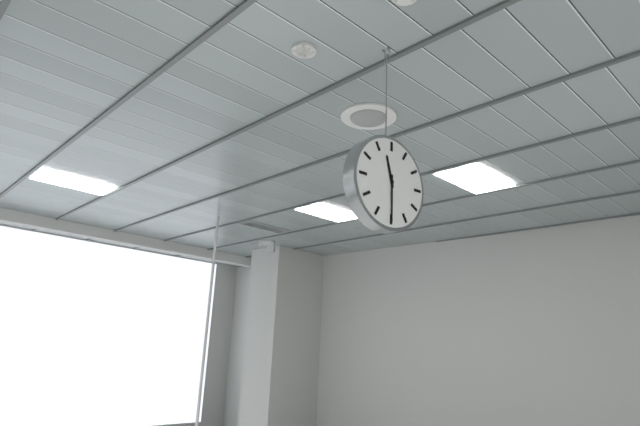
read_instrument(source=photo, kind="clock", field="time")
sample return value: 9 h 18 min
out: 11 h 30 min
